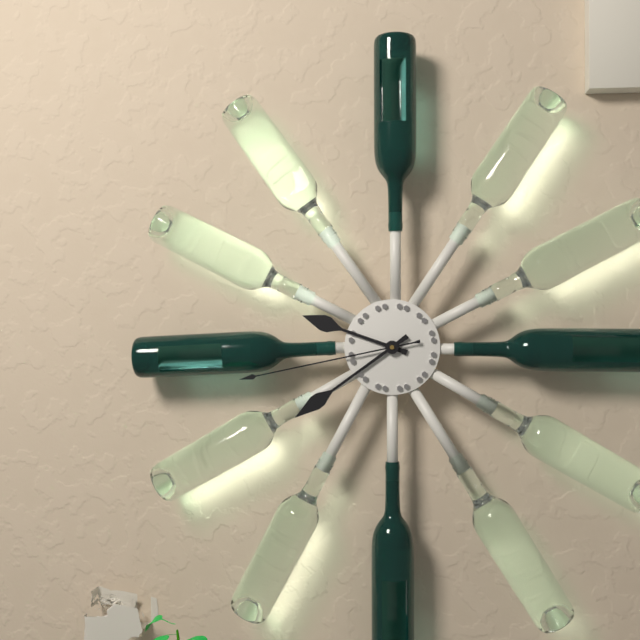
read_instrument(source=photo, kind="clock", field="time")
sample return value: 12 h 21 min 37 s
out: 9 h 39 min 43 s
